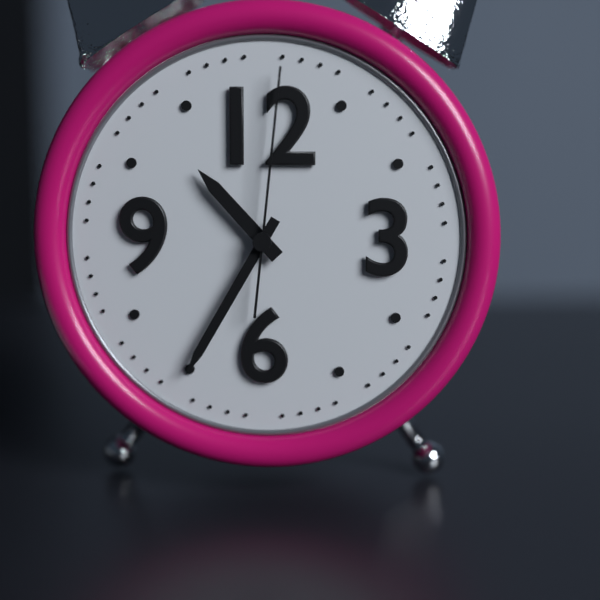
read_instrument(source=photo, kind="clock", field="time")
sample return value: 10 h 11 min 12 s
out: 10 h 35 min 01 s
